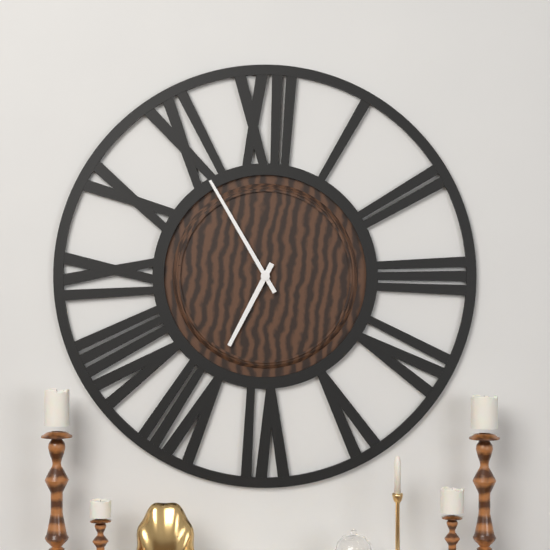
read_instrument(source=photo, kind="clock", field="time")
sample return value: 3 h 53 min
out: 6 h 55 min
